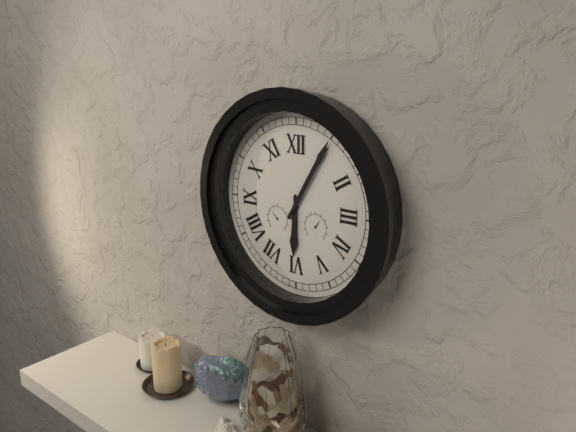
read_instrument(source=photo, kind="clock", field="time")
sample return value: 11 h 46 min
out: 6 h 05 min
